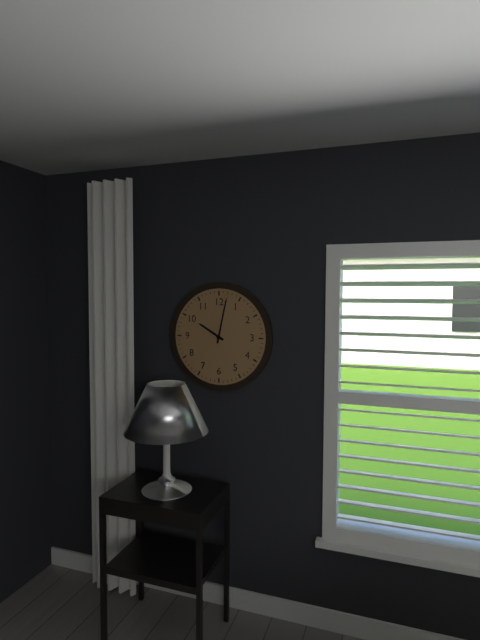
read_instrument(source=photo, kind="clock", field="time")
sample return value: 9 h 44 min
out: 10 h 02 min
